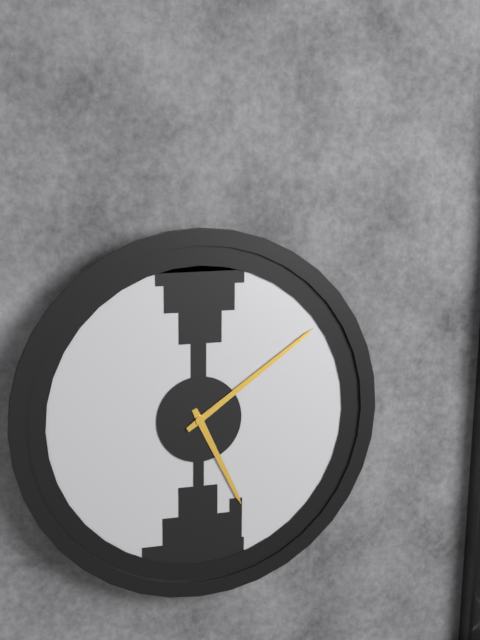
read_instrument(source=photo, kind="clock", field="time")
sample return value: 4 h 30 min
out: 5 h 09 min
